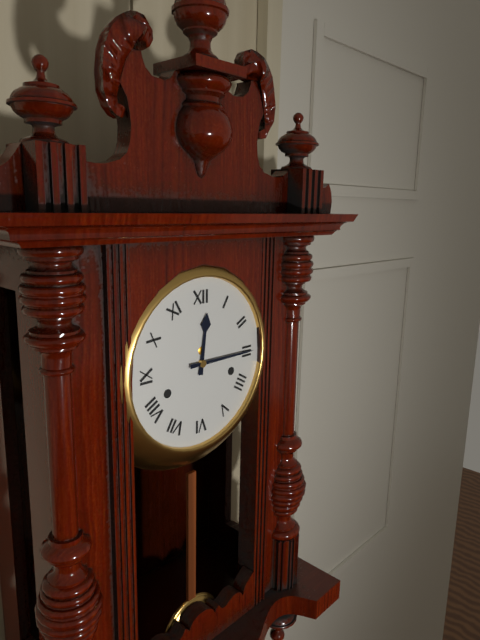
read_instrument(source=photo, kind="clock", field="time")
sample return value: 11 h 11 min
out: 12 h 15 min
